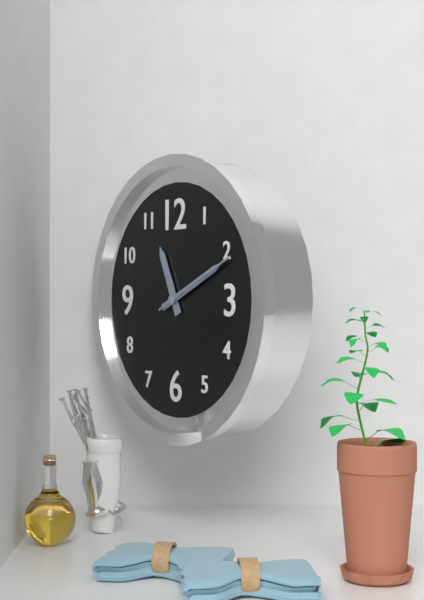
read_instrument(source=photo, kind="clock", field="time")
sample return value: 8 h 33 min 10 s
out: 11 h 11 min 11 s
